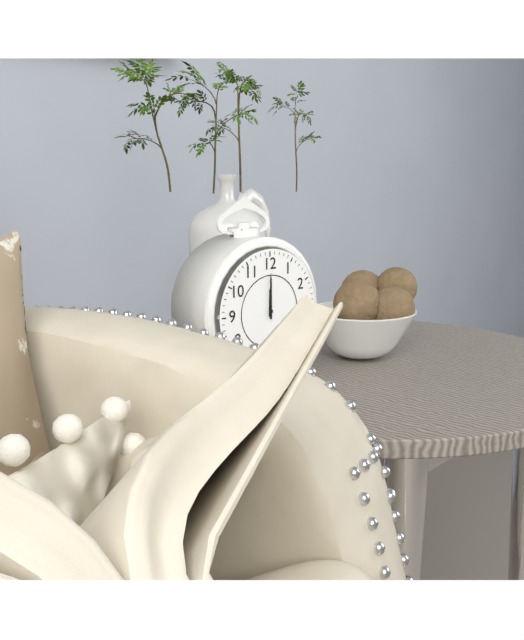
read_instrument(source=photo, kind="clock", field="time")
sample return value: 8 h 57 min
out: 12 h 00 min
